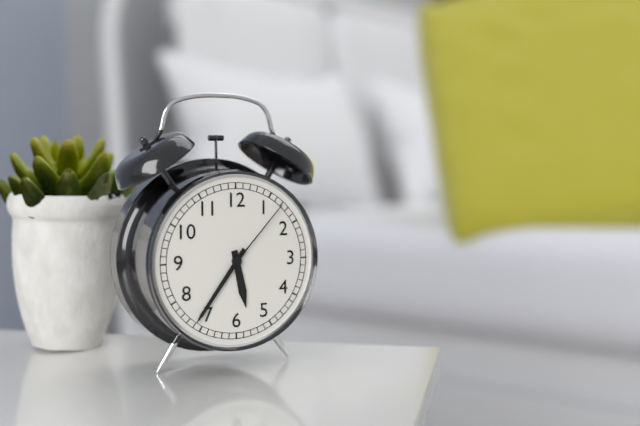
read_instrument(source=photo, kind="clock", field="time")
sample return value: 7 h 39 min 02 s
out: 5 h 36 min 07 s
